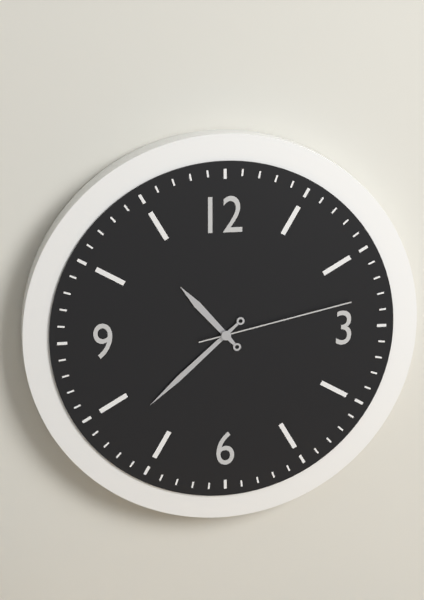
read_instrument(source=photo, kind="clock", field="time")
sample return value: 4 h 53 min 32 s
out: 10 h 38 min 13 s
